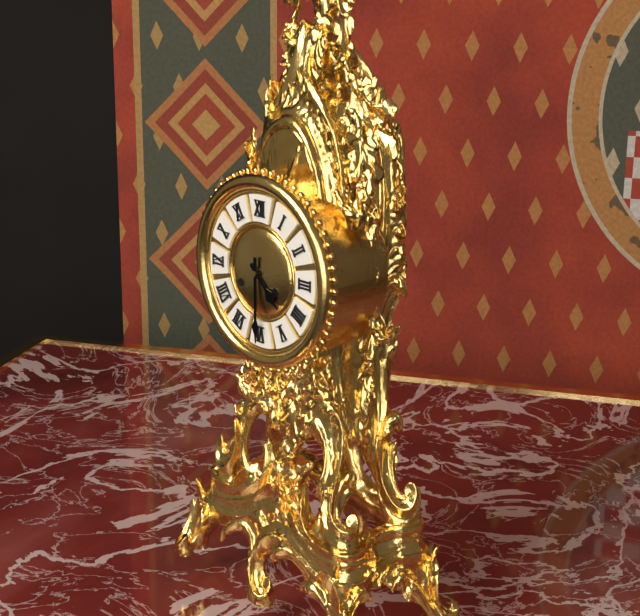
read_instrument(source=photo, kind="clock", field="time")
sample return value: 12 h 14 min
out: 4 h 30 min
